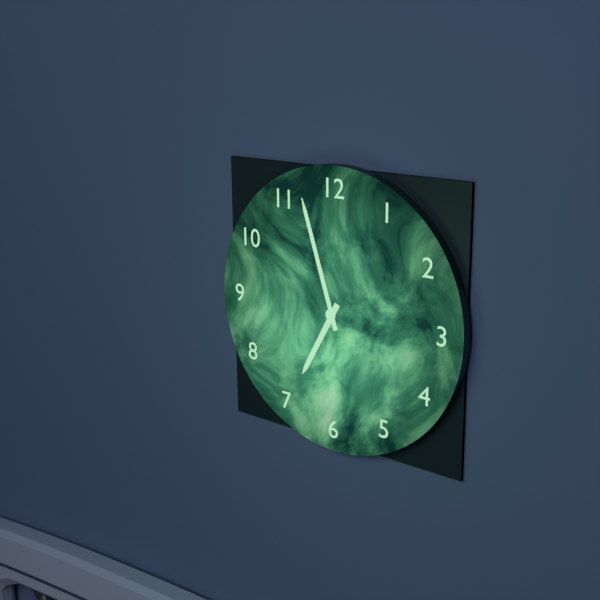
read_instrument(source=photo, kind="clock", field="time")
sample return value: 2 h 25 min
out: 6 h 57 min
